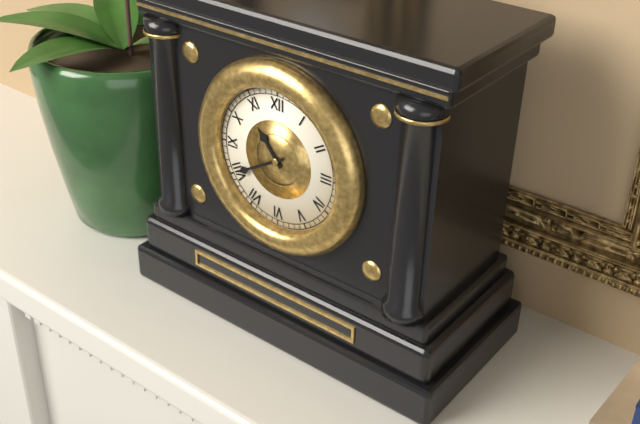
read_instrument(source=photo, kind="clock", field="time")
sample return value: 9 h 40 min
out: 10 h 40 min
